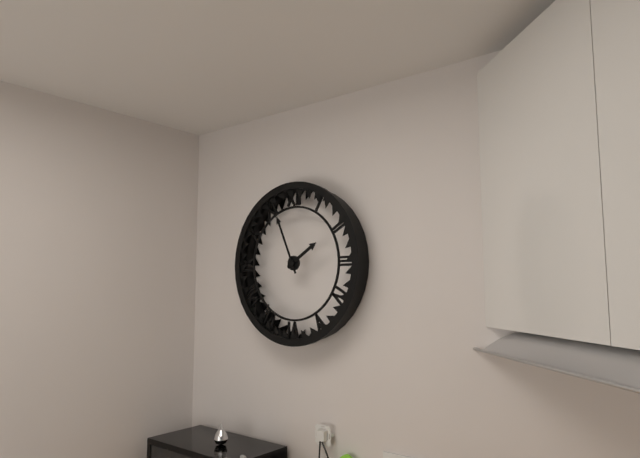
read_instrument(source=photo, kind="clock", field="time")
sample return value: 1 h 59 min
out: 1 h 56 min
